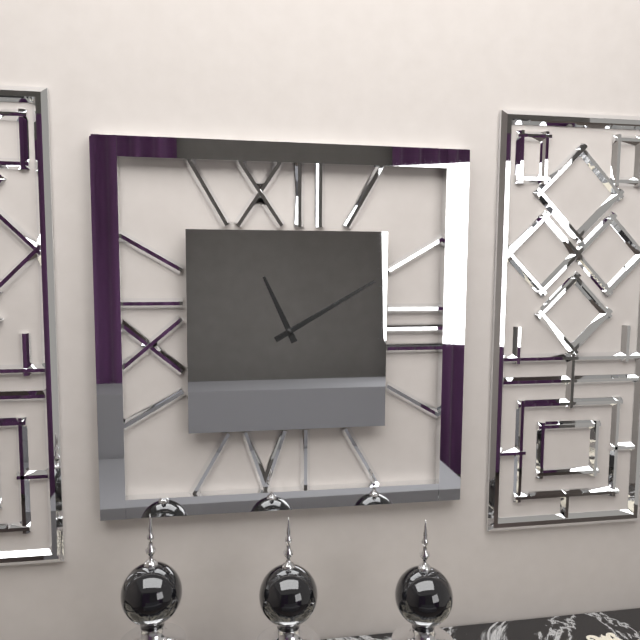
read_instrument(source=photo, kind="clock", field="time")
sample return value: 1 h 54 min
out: 11 h 10 min
